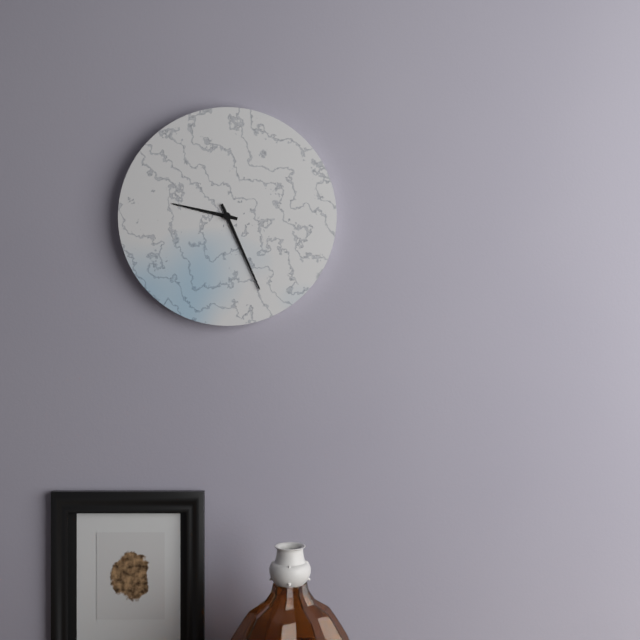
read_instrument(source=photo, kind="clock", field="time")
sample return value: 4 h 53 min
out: 9 h 26 min
